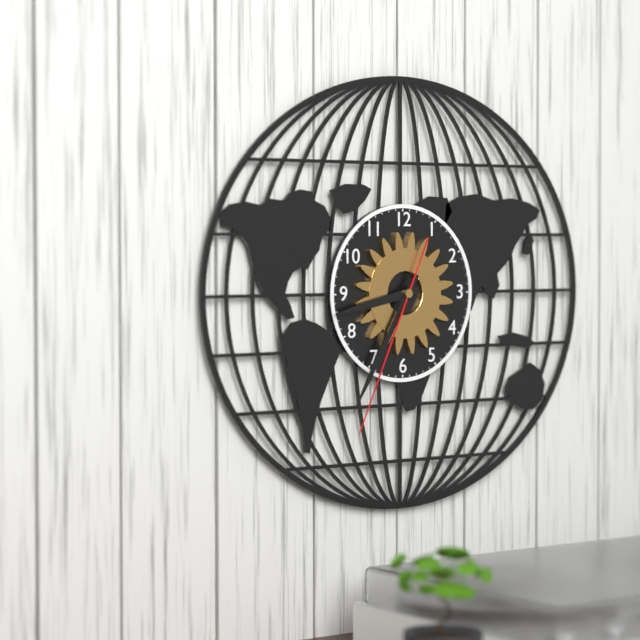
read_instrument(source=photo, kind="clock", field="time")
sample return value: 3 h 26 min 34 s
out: 8 h 35 min 34 s
